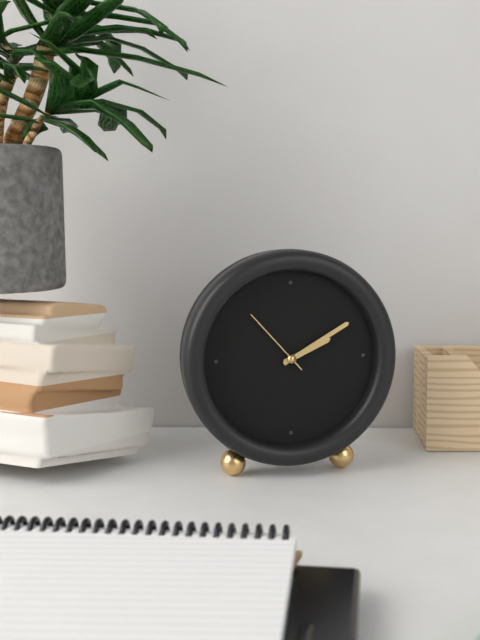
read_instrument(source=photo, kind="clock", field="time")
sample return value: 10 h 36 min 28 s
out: 2 h 10 min 53 s
